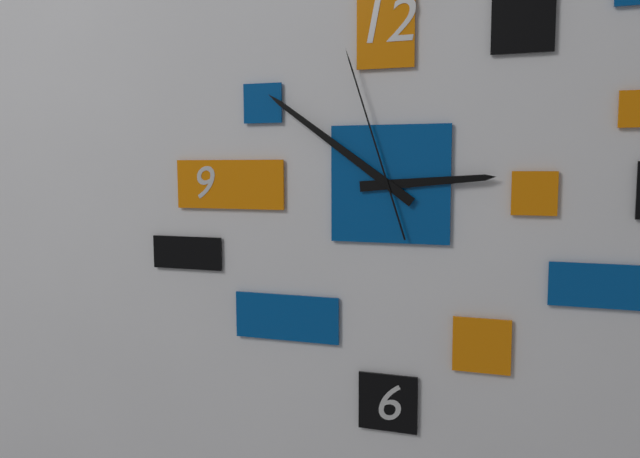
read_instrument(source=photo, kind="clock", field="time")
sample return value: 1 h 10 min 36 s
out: 2 h 51 min 57 s
